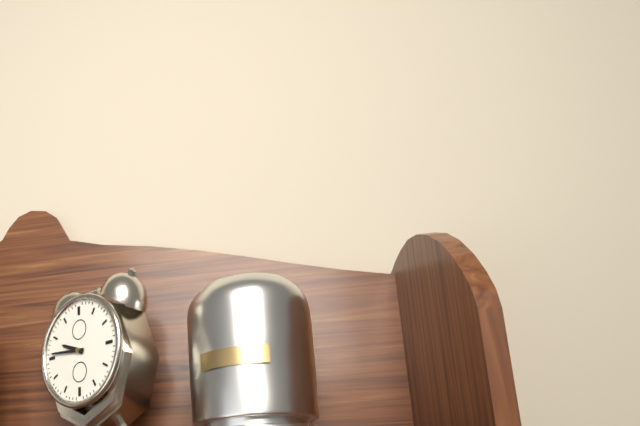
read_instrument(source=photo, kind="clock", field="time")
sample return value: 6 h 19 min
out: 9 h 46 min
